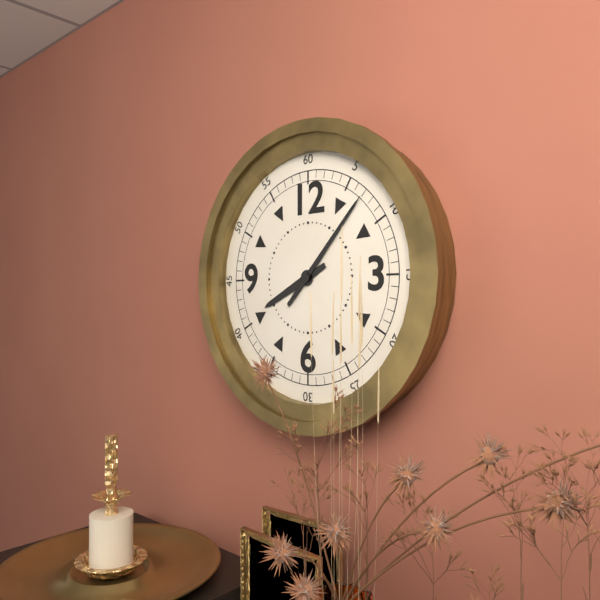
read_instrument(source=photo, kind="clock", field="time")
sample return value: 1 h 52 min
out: 8 h 07 min
